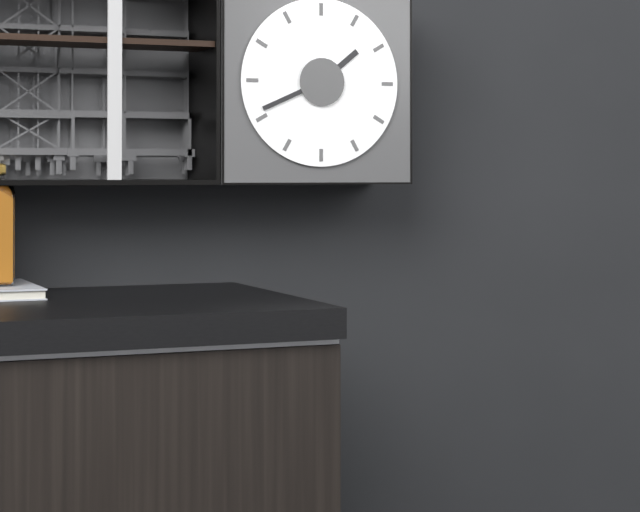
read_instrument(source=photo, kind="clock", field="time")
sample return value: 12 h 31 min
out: 1 h 41 min
